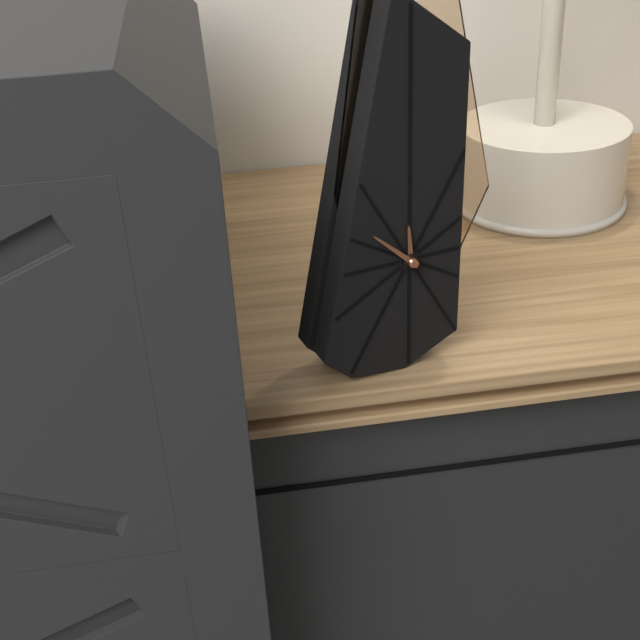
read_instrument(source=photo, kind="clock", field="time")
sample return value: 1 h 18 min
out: 11 h 52 min
